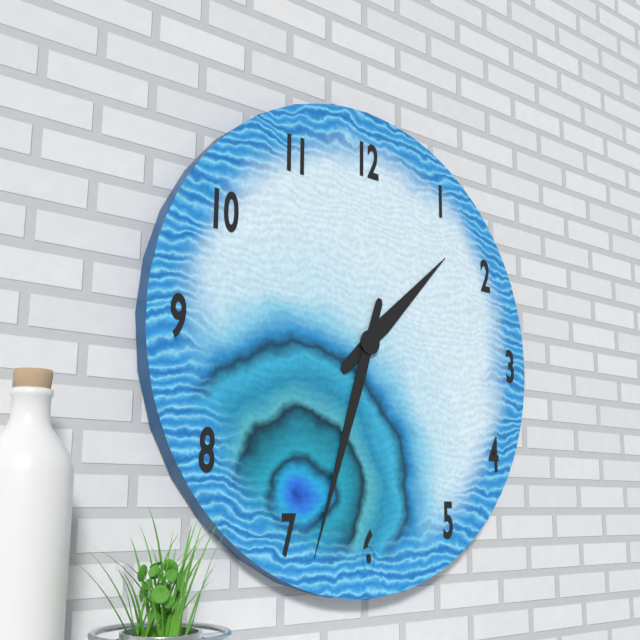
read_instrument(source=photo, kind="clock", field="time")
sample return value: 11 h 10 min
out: 1 h 33 min
